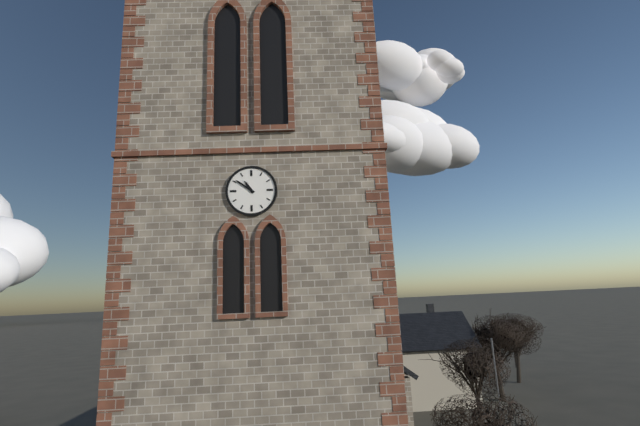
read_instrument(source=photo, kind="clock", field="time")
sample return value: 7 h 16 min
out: 10 h 51 min
